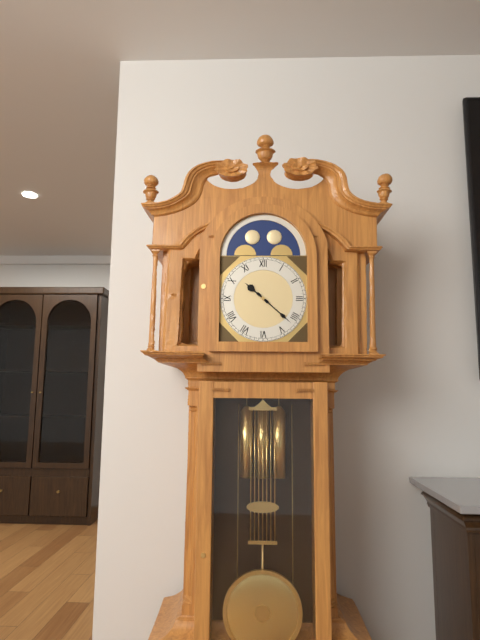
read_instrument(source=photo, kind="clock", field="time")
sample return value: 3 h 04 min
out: 10 h 22 min
